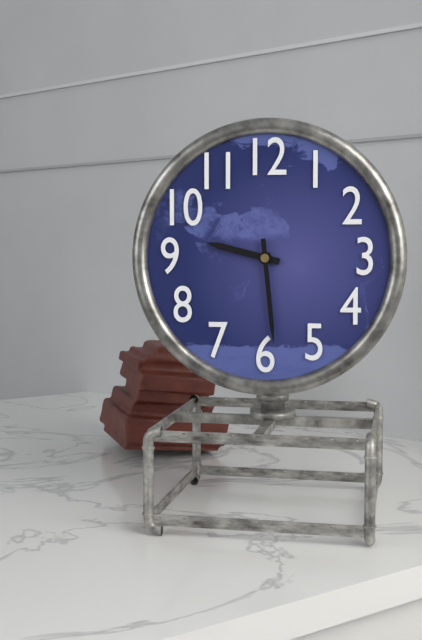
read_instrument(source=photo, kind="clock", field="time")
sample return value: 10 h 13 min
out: 9 h 29 min
